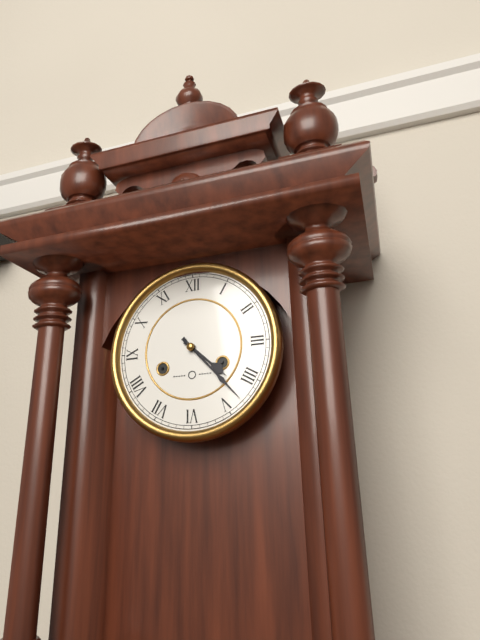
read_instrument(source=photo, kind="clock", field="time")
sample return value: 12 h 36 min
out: 4 h 23 min
